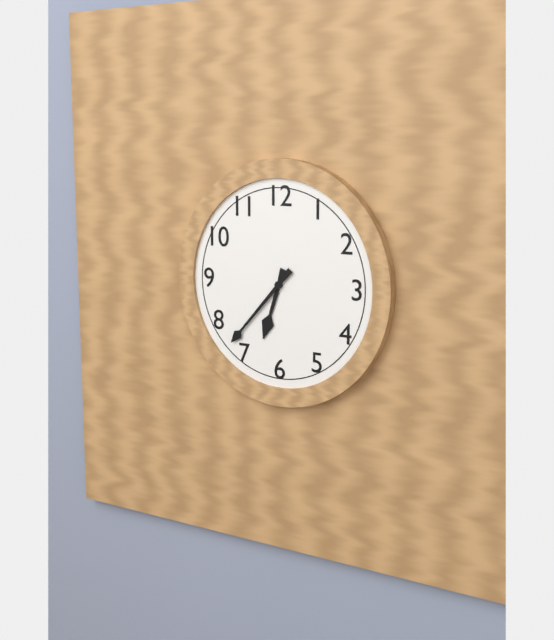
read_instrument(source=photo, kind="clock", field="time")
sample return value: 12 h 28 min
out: 6 h 37 min
